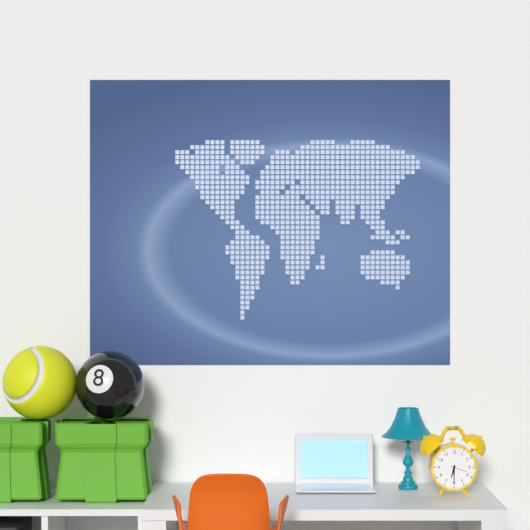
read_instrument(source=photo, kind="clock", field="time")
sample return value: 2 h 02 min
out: 6 h 30 min
